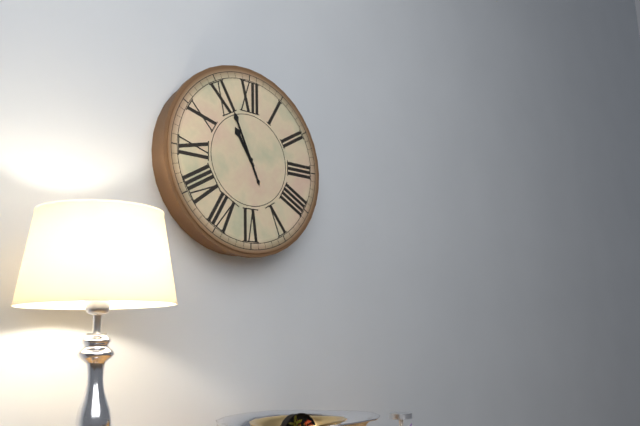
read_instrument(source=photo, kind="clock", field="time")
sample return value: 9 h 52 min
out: 10 h 56 min
